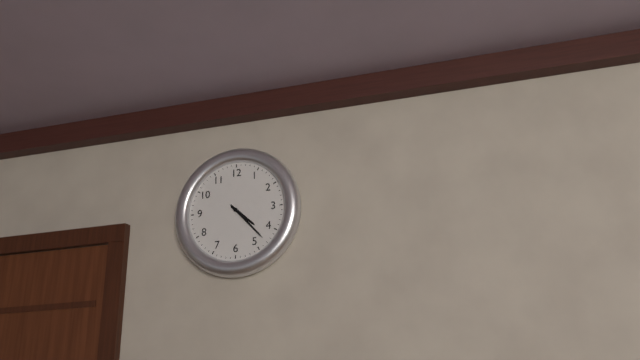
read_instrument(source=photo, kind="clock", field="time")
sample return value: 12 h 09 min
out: 4 h 23 min
